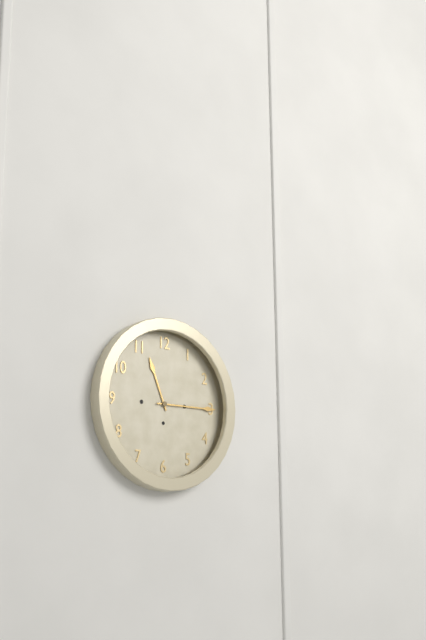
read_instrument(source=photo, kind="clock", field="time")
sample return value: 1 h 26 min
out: 11 h 15 min
